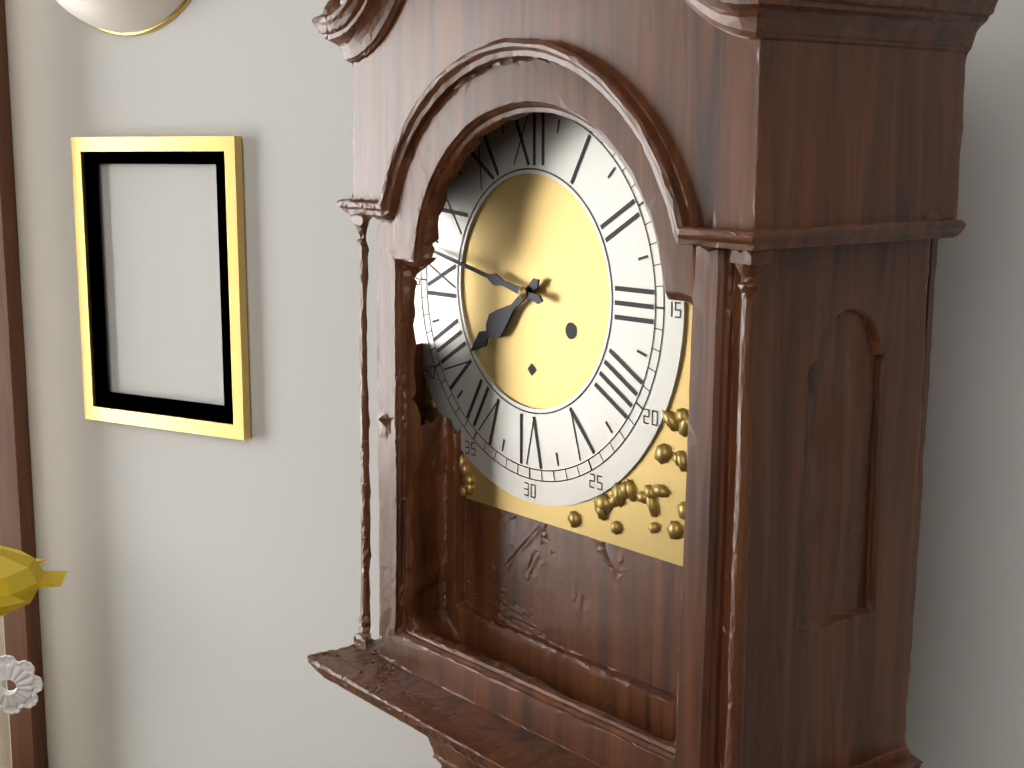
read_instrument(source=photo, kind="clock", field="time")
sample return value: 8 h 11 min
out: 7 h 47 min
